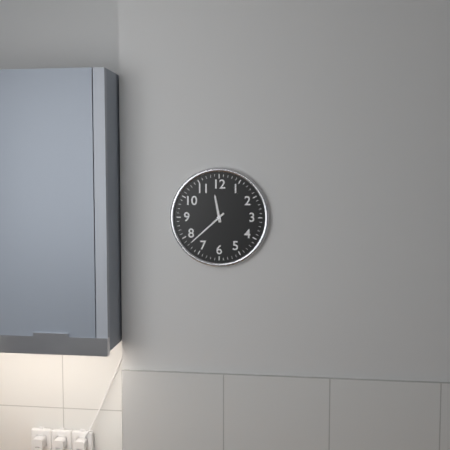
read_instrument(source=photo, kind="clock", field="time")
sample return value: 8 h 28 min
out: 11 h 38 min
